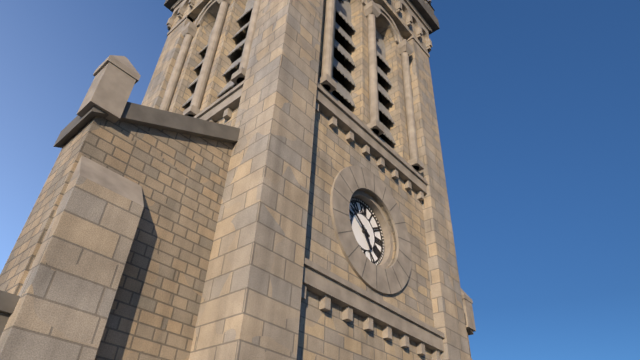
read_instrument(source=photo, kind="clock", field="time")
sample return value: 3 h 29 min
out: 4 h 51 min
